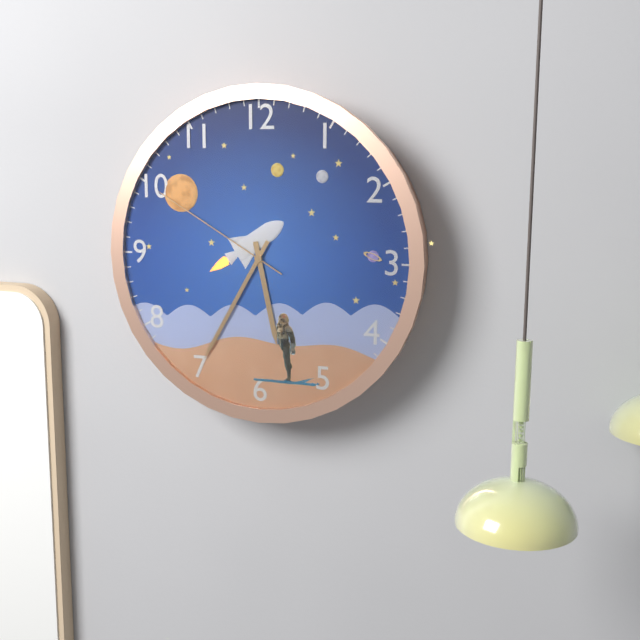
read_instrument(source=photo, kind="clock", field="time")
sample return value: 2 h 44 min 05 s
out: 5 h 35 min 50 s
